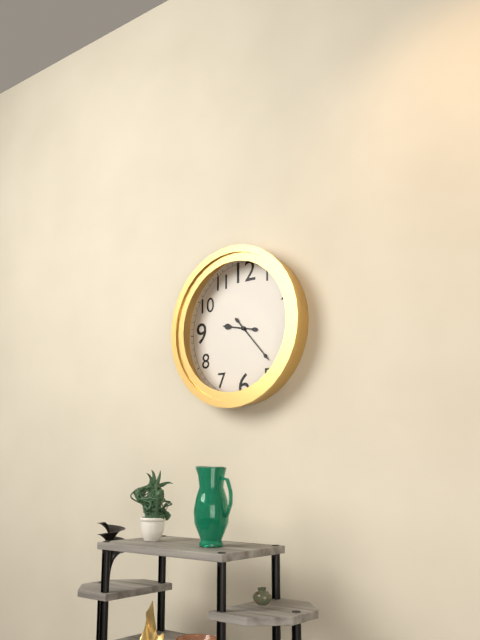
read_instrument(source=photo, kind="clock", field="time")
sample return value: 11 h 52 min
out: 9 h 23 min
